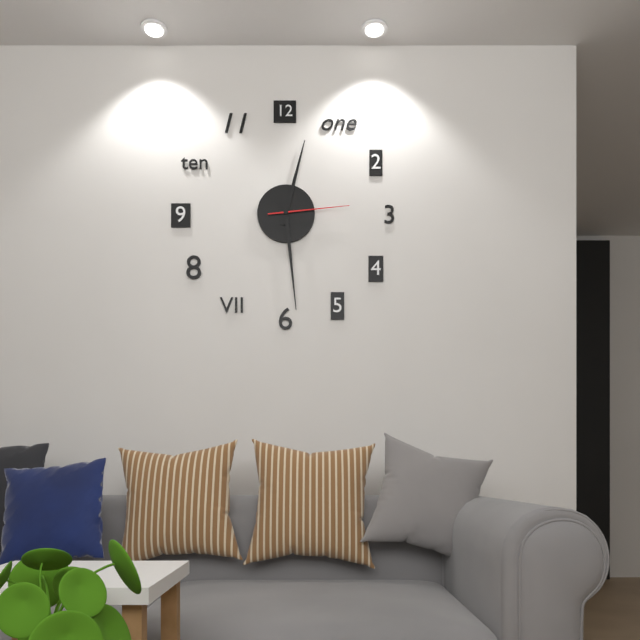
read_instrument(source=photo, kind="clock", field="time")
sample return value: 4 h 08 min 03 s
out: 12 h 29 min 14 s
